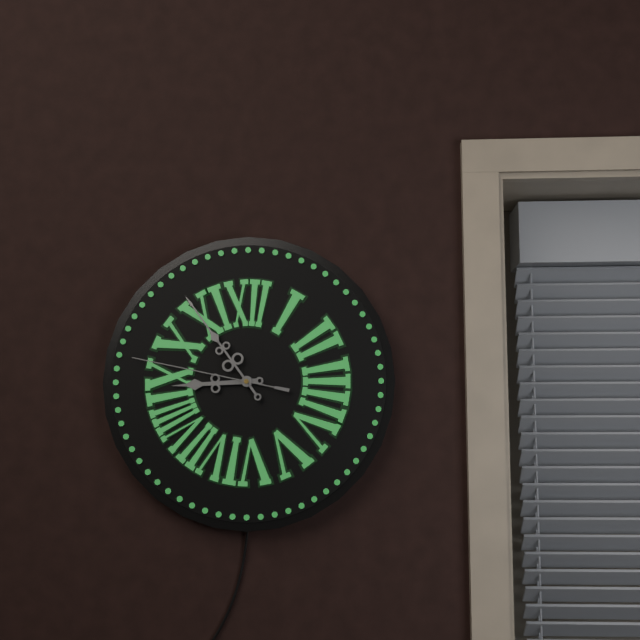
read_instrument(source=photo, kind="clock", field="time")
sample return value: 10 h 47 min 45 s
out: 8 h 54 min 47 s
